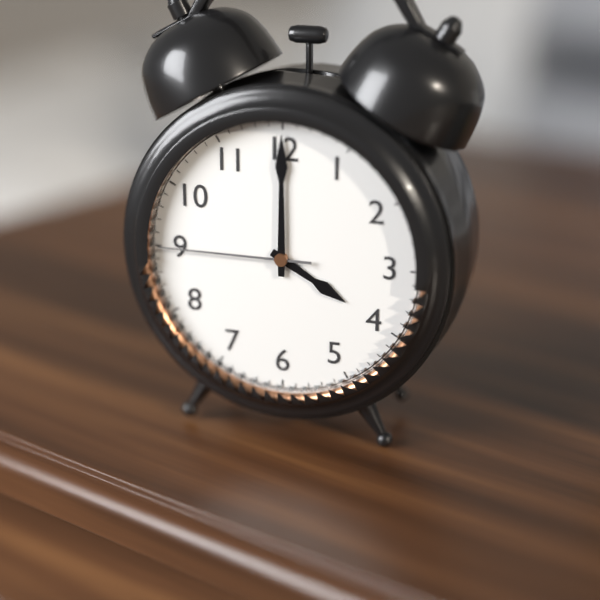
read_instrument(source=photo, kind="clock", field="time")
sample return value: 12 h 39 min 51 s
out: 4 h 00 min 45 s
